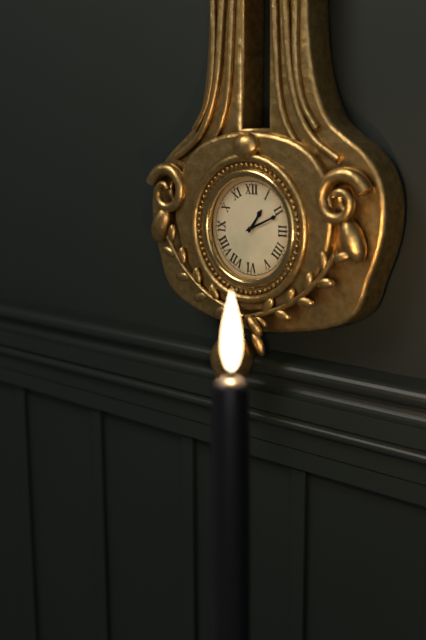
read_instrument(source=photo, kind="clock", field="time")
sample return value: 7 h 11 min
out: 1 h 11 min
